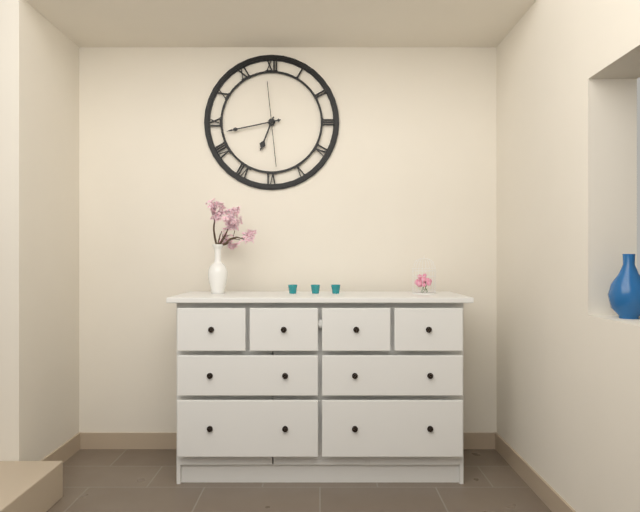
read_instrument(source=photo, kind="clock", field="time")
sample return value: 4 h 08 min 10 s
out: 6 h 43 min 29 s
